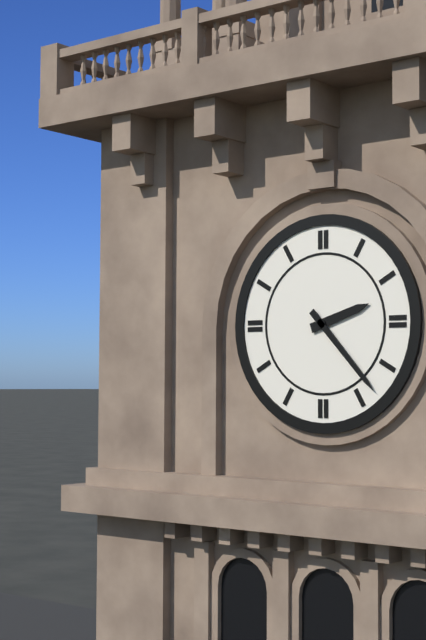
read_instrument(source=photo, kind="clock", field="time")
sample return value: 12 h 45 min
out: 2 h 23 min
